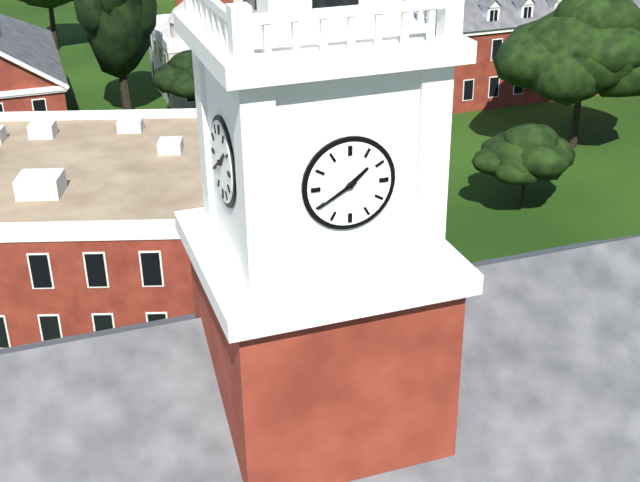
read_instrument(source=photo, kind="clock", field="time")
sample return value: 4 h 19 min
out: 1 h 40 min
